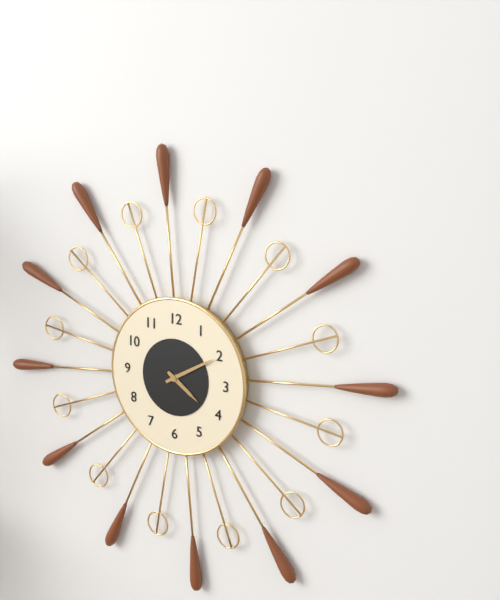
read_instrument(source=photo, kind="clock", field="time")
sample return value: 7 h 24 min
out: 4 h 10 min
